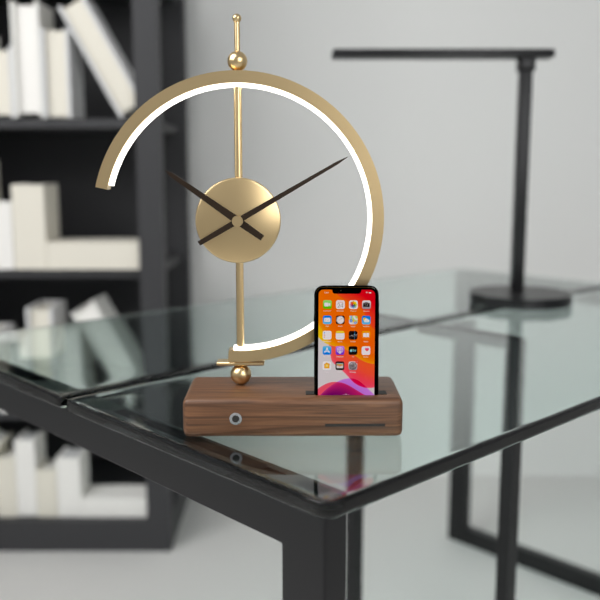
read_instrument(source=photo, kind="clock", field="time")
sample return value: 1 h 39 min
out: 10 h 10 min
